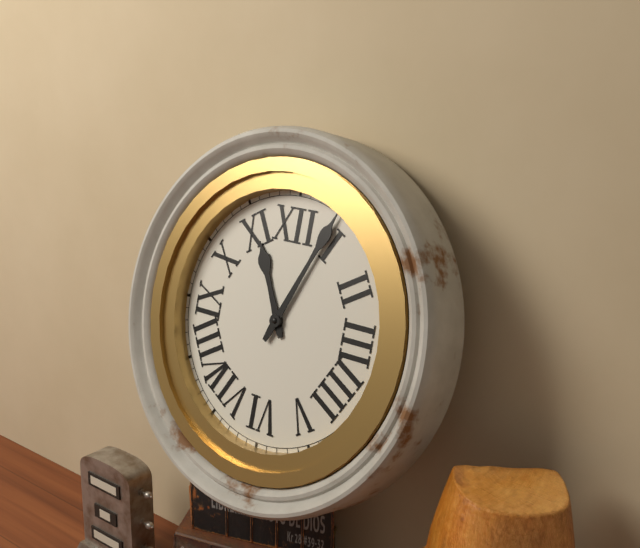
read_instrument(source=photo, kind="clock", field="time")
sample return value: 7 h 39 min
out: 11 h 04 min
